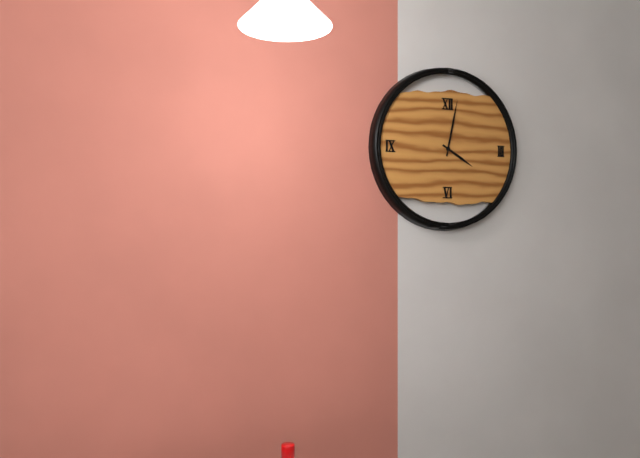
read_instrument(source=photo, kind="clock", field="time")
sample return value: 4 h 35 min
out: 4 h 02 min
